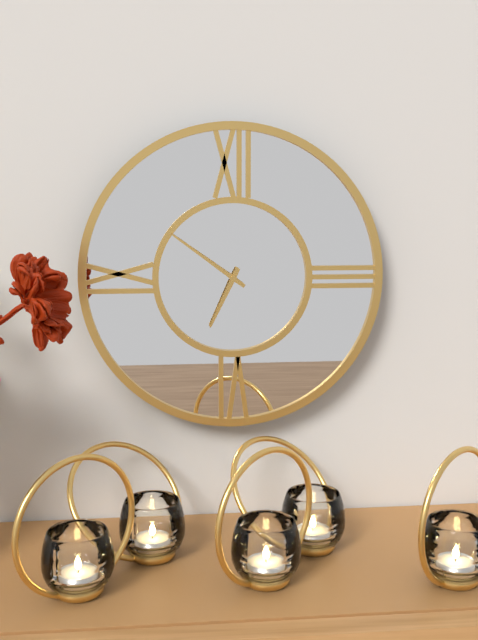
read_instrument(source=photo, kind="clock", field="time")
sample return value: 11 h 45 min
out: 6 h 51 min
